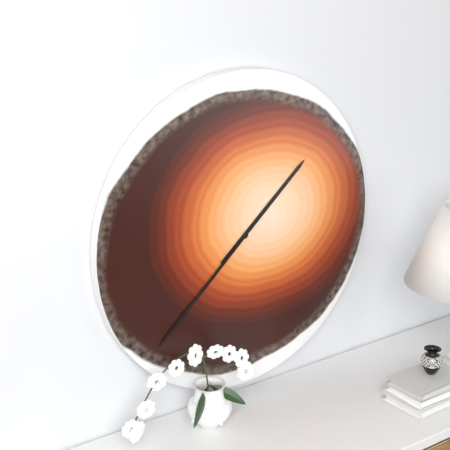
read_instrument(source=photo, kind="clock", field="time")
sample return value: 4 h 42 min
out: 1 h 38 min
